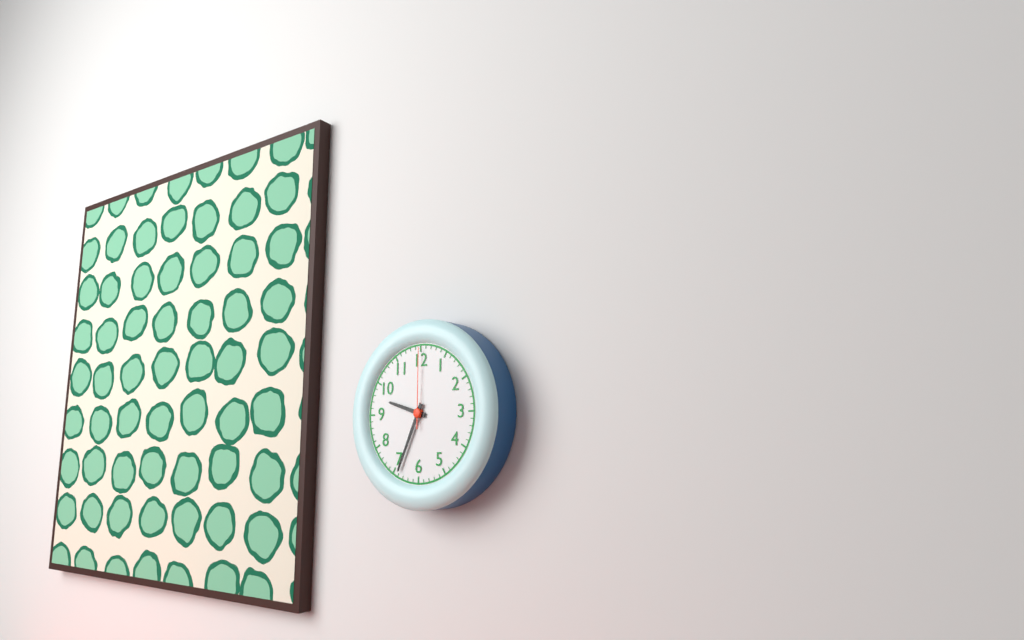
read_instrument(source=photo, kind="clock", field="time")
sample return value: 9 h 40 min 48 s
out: 9 h 34 min 00 s
